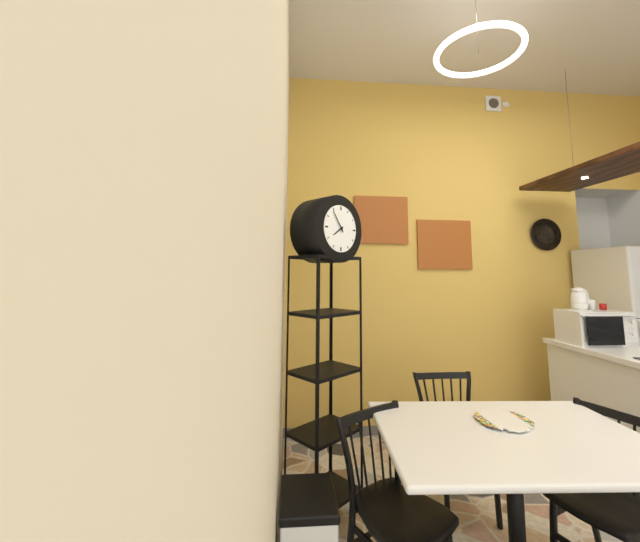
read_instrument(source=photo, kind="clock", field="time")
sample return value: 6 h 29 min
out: 7 h 54 min
